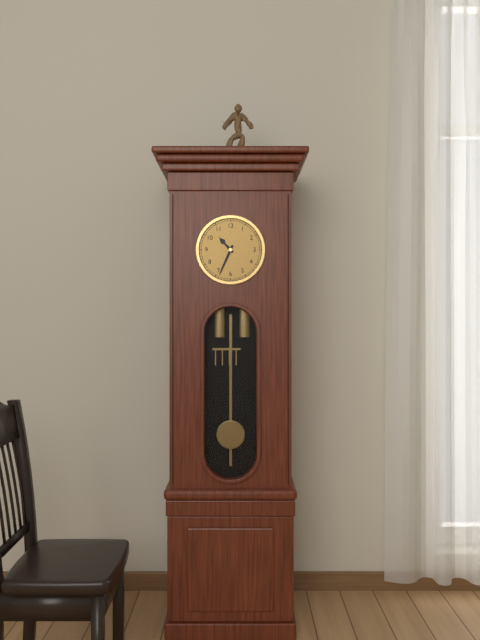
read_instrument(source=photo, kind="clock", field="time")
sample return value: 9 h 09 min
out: 10 h 34 min
